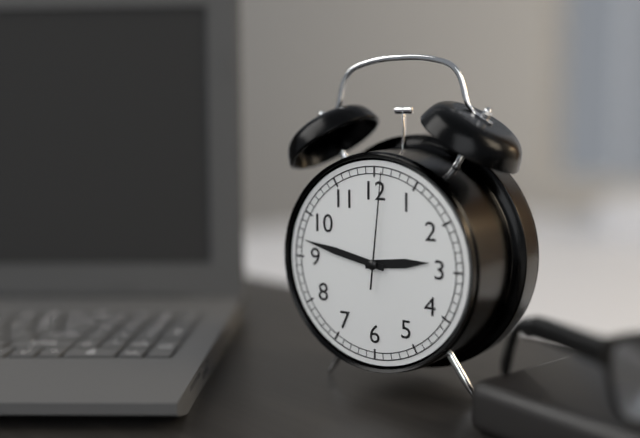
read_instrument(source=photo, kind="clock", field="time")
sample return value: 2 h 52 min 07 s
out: 2 h 47 min 01 s
